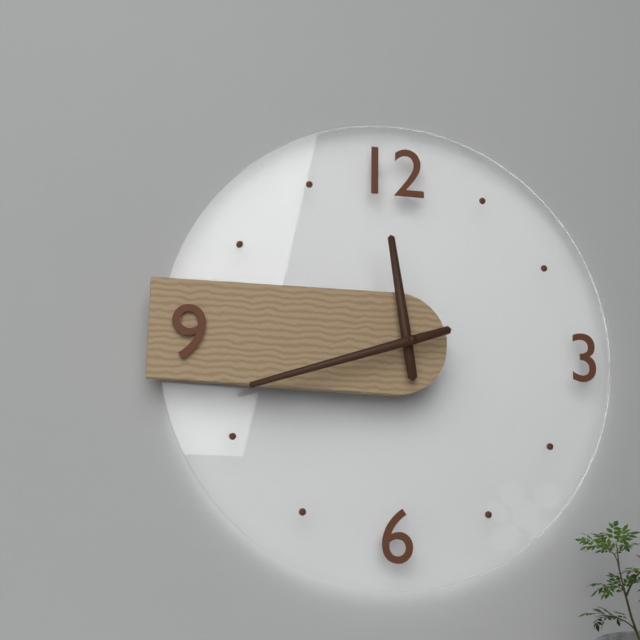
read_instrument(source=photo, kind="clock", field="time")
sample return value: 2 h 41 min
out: 11 h 42 min
